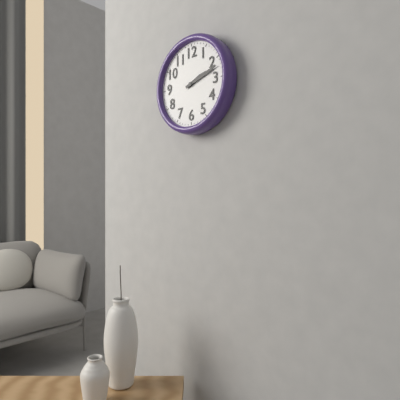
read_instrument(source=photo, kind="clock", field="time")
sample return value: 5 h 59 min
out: 2 h 12 min
